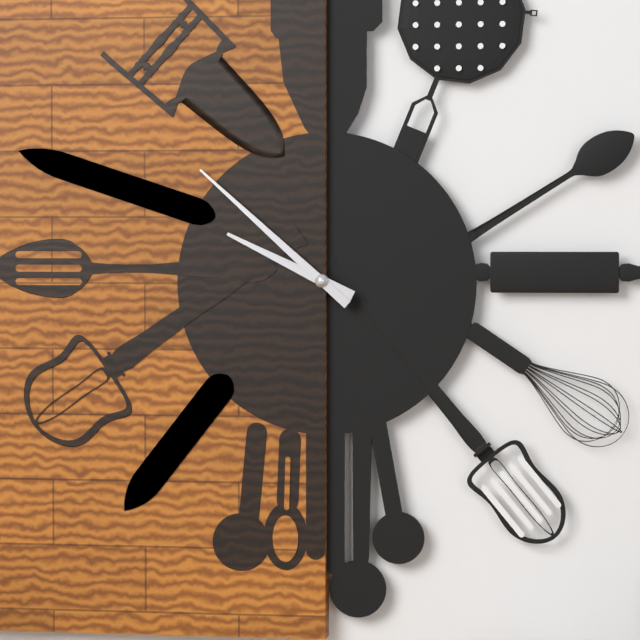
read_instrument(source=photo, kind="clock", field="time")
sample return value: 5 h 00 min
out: 9 h 52 min
